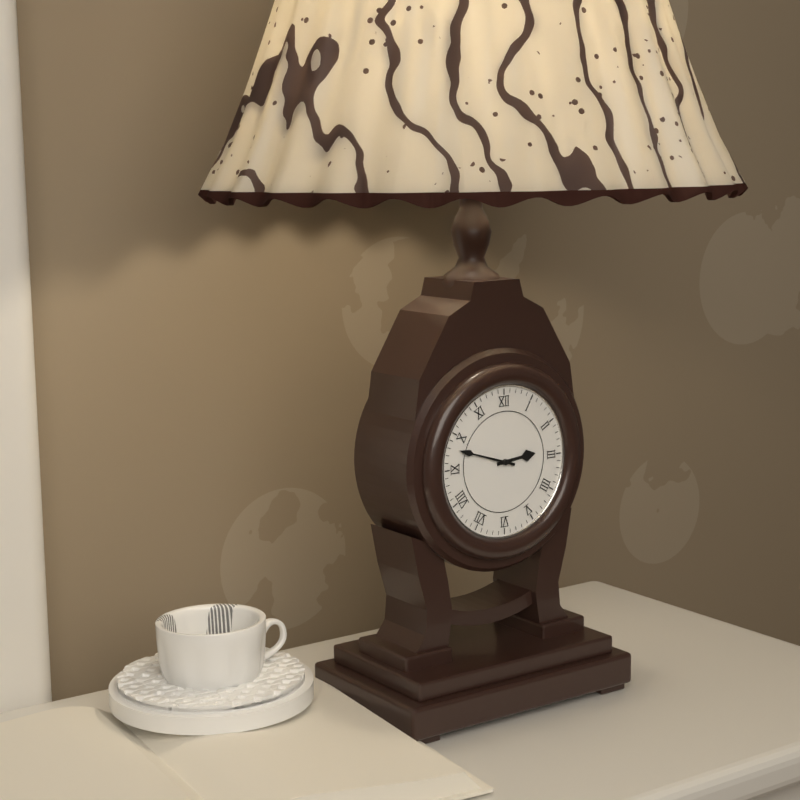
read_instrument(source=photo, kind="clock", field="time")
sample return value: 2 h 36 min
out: 2 h 48 min
